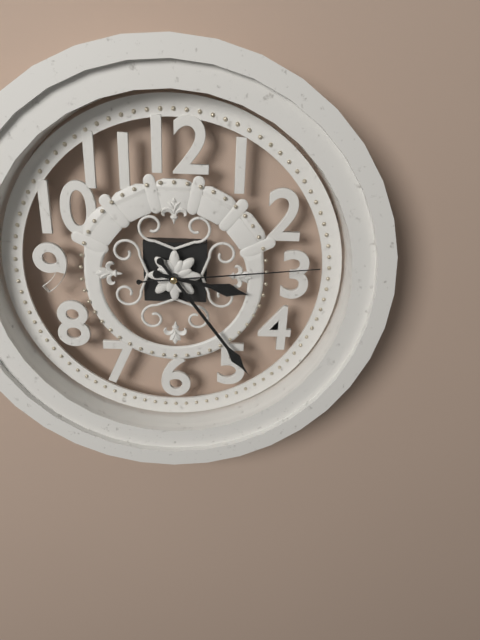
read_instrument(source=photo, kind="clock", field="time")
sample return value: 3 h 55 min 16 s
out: 3 h 24 min 14 s
